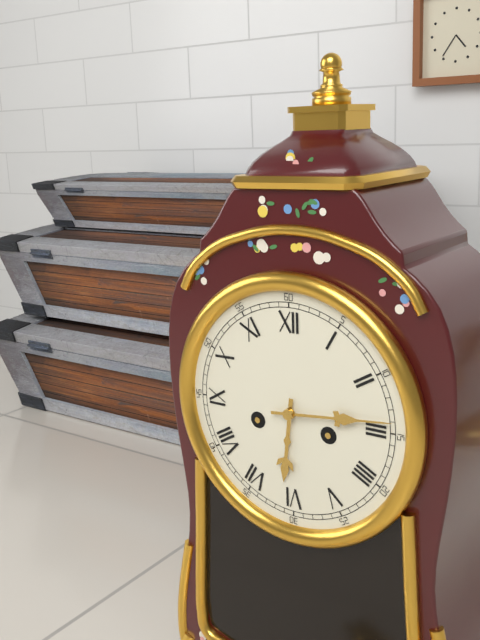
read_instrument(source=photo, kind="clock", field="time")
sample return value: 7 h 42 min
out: 6 h 14 min
